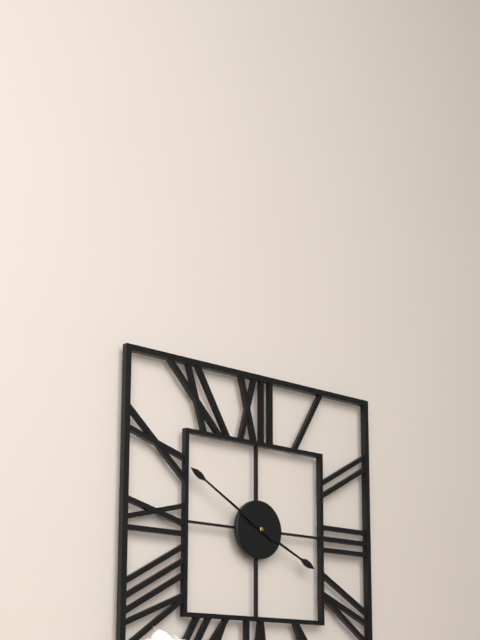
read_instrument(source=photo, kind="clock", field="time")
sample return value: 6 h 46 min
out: 3 h 50 min
